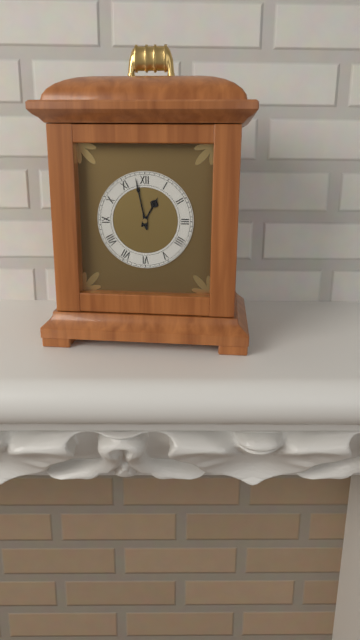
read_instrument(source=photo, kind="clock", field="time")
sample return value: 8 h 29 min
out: 12 h 58 min
